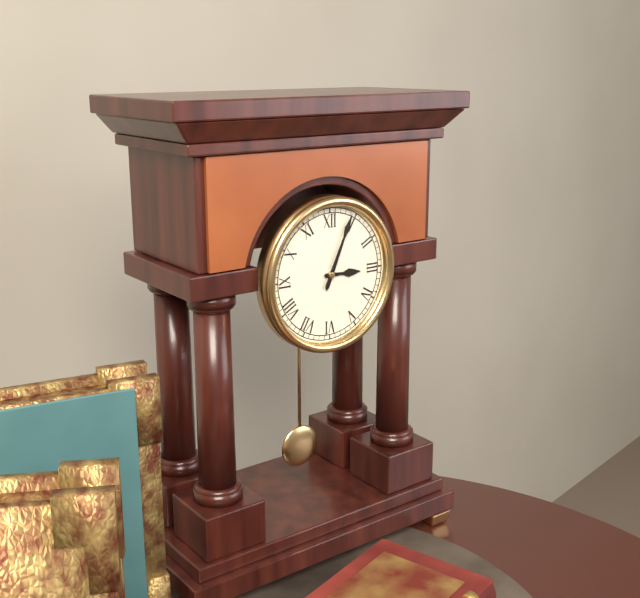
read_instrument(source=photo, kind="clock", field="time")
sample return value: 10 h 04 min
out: 3 h 04 min
